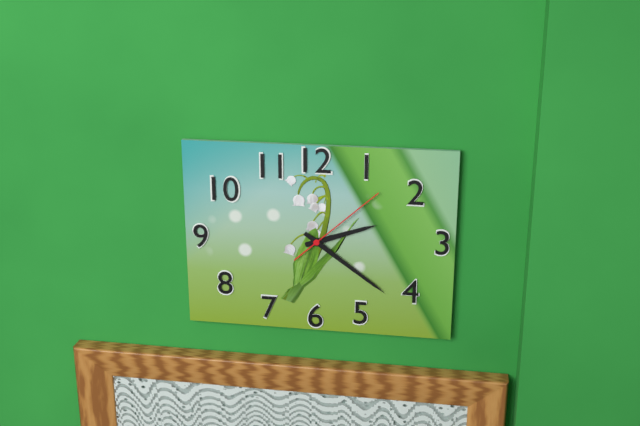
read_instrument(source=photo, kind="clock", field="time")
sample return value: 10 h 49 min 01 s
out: 2 h 21 min 08 s
